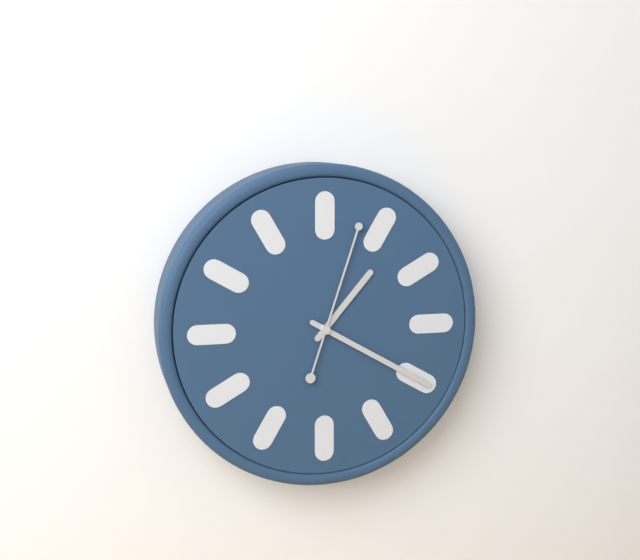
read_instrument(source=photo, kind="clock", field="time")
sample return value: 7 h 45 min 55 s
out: 1 h 20 min 03 s
